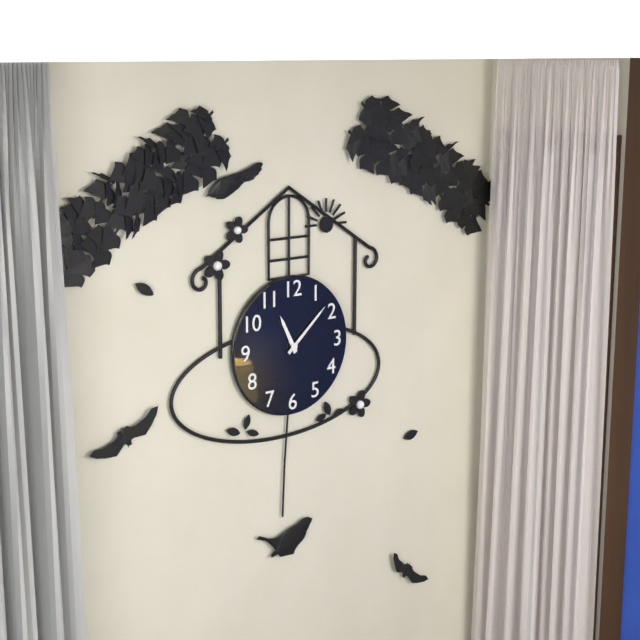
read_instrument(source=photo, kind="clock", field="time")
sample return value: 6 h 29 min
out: 11 h 08 min
